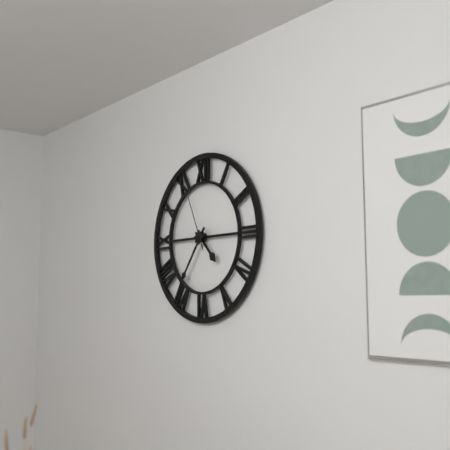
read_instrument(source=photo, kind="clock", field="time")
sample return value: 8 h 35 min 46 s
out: 4 h 36 min 56 s
